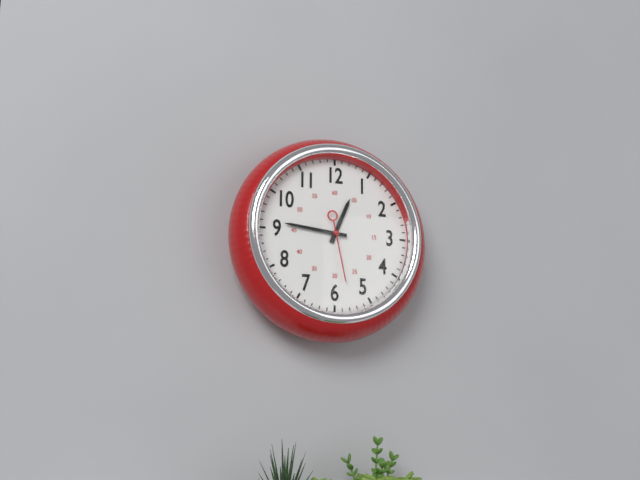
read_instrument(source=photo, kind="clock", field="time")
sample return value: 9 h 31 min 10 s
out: 12 h 46 min 28 s
